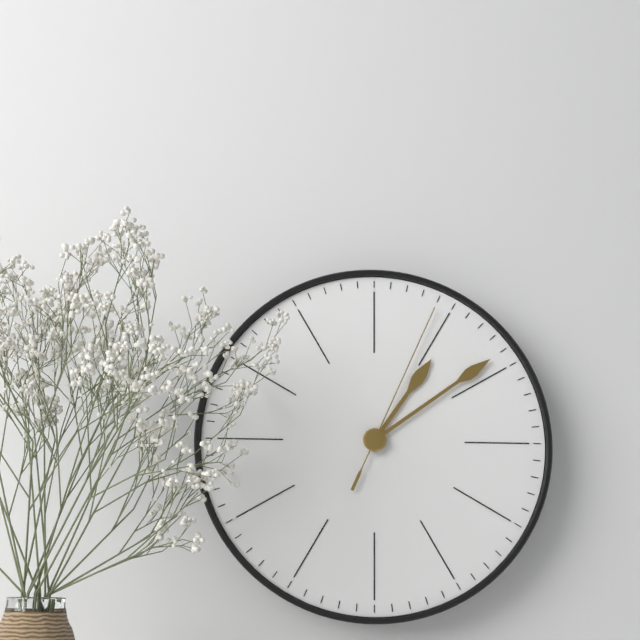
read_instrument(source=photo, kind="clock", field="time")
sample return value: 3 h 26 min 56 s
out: 1 h 09 min 04 s
